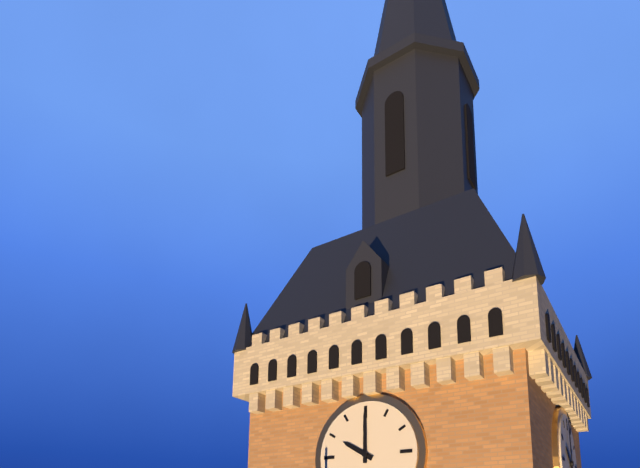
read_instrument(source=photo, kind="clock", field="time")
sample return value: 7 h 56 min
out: 10 h 00 min
